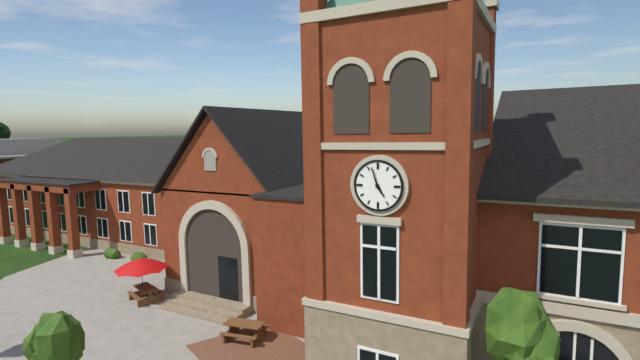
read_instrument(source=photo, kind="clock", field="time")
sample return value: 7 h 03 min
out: 4 h 57 min
